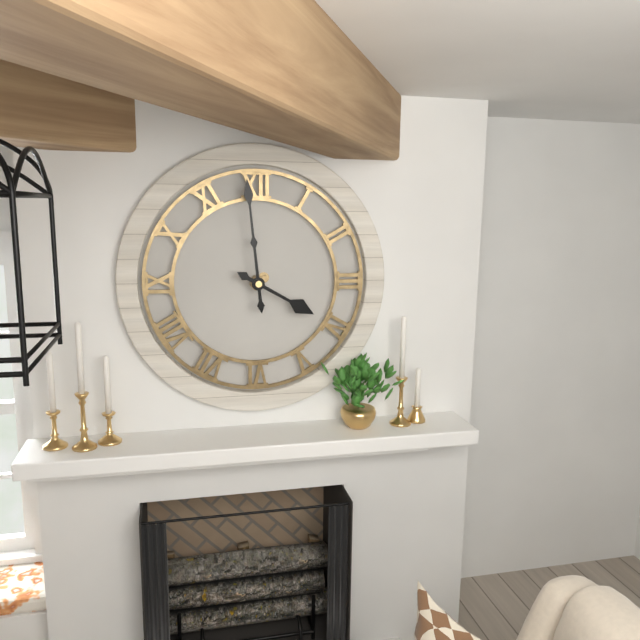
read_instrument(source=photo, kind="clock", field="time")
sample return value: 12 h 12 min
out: 3 h 59 min
